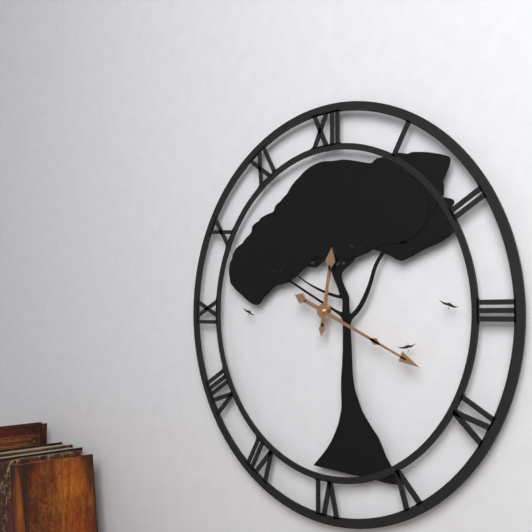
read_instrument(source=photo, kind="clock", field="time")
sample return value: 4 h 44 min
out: 12 h 19 min
